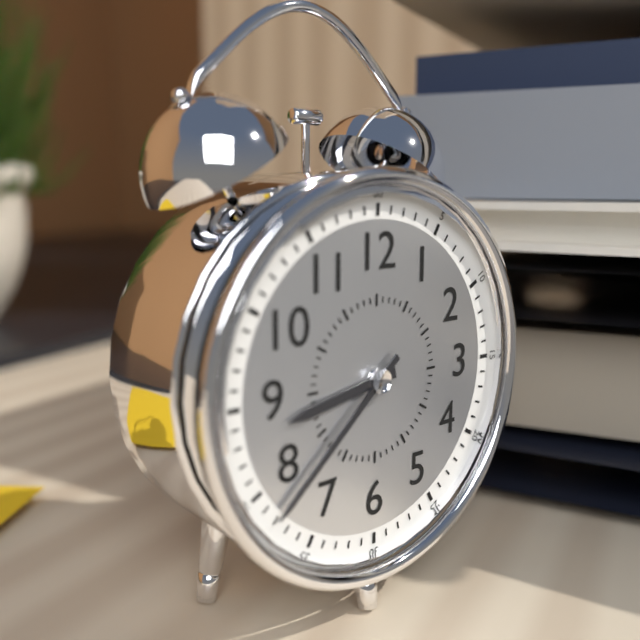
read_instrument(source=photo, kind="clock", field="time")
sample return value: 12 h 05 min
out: 8 h 38 min
